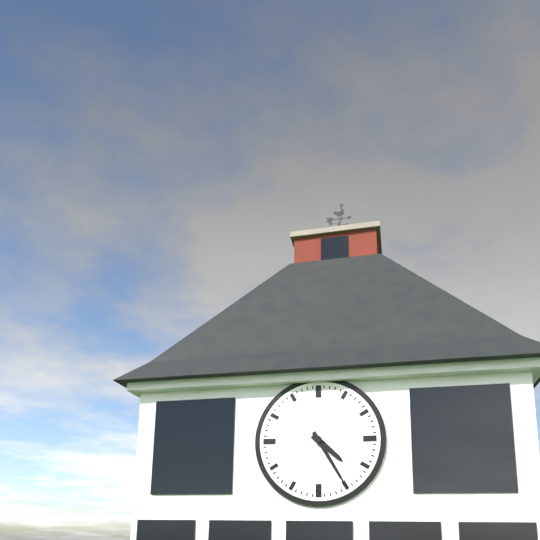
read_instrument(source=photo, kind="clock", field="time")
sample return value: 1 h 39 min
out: 4 h 25 min
